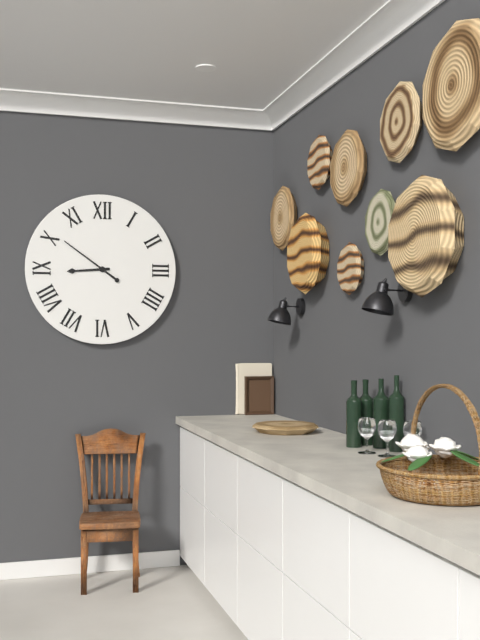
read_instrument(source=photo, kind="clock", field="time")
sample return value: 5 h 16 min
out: 8 h 51 min
